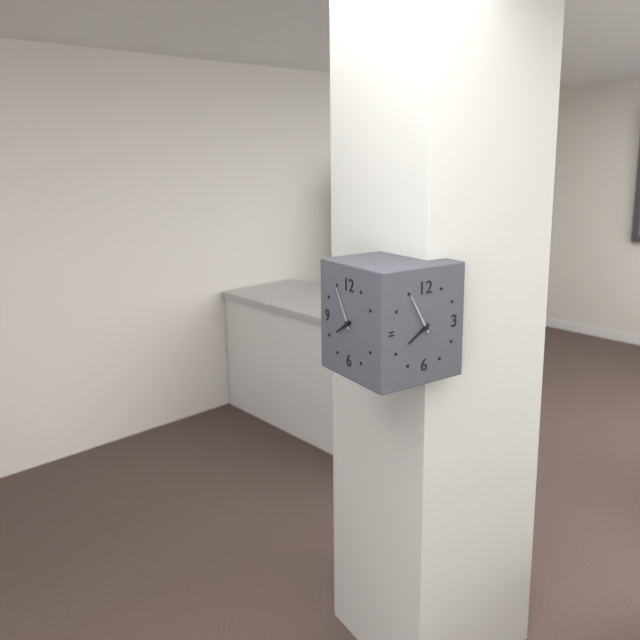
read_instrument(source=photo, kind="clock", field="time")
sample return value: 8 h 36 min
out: 7 h 55 min
